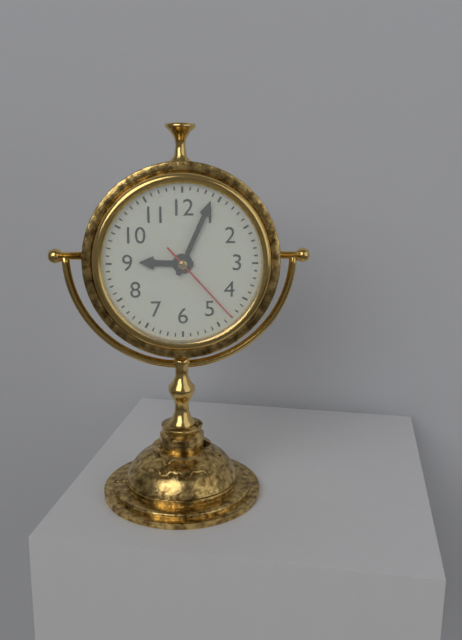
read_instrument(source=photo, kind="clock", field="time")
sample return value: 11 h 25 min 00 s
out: 9 h 04 min 23 s
